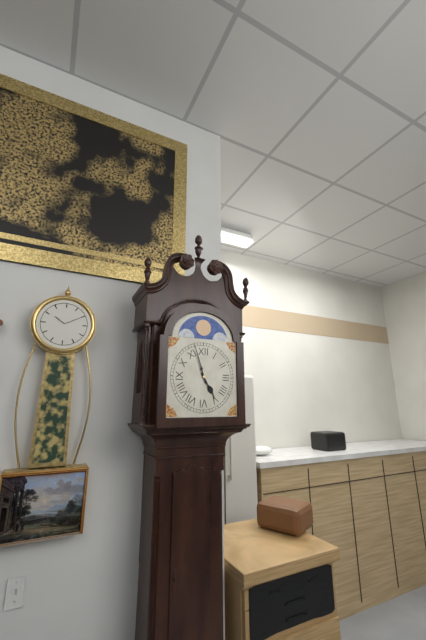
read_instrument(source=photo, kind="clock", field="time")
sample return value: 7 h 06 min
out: 4 h 57 min
